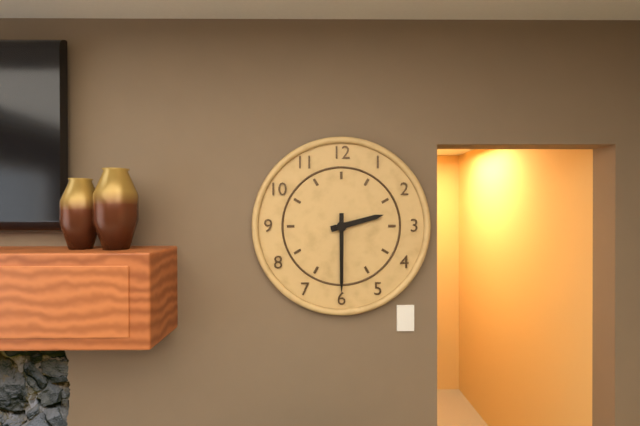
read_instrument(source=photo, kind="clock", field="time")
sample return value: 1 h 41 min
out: 2 h 30 min
